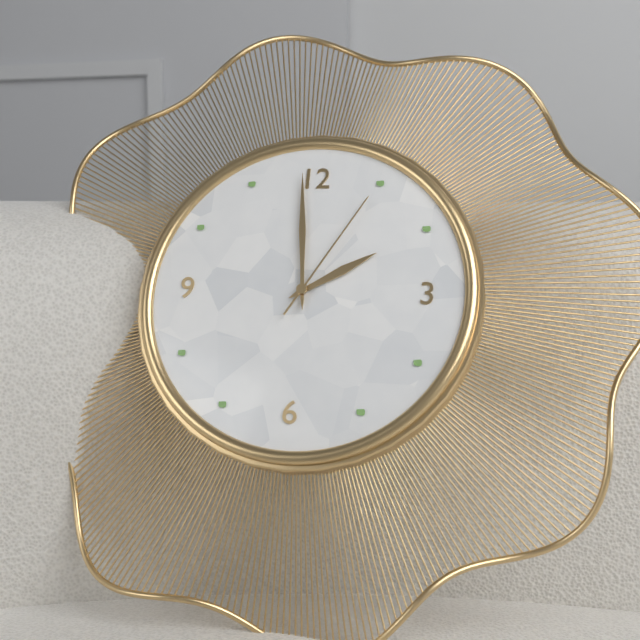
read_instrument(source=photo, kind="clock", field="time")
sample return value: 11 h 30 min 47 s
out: 1 h 59 min 05 s
